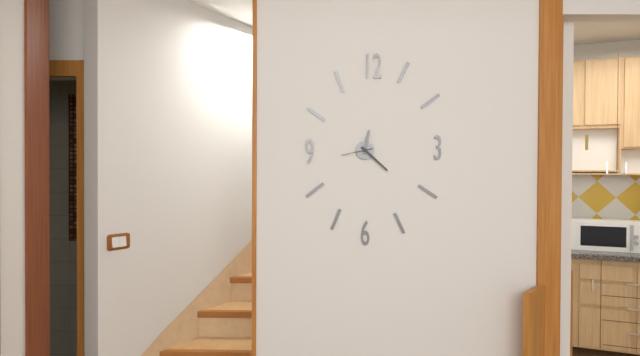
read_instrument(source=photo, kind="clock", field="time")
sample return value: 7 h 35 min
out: 12 h 22 min
